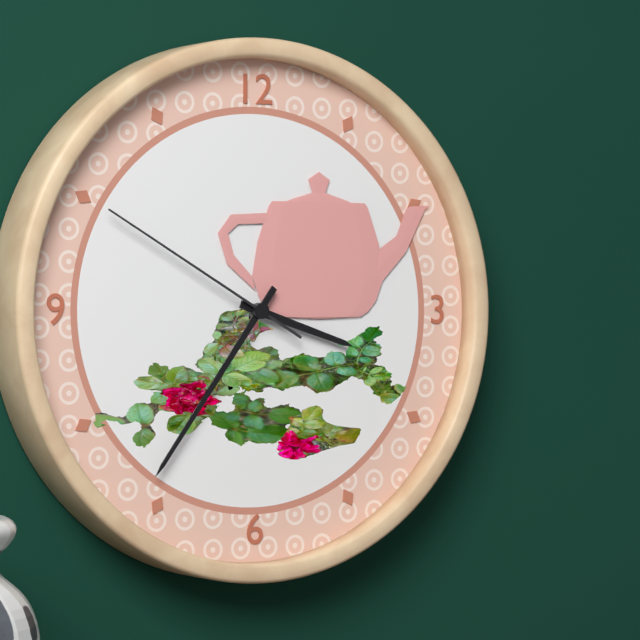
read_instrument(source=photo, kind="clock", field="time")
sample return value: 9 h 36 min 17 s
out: 3 h 36 min 50 s
